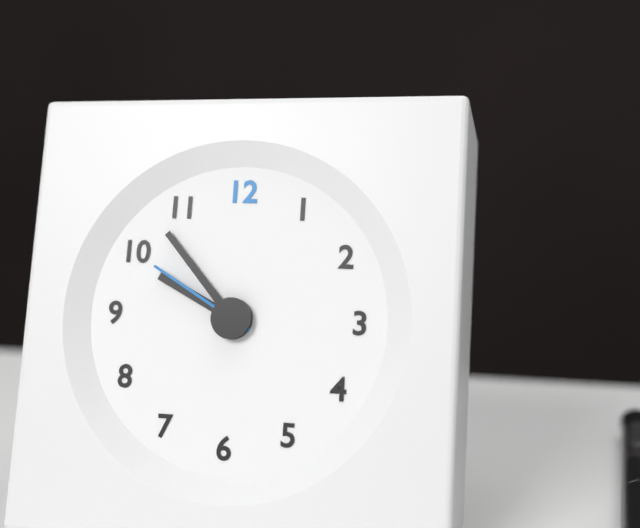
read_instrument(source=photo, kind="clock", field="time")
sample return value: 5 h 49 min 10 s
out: 9 h 53 min 50 s
